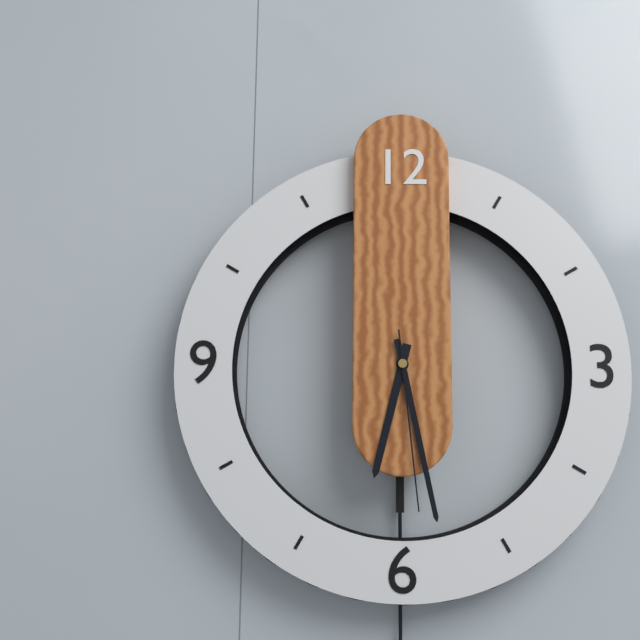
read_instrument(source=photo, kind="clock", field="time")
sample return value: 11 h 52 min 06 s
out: 6 h 28 min 29 s
